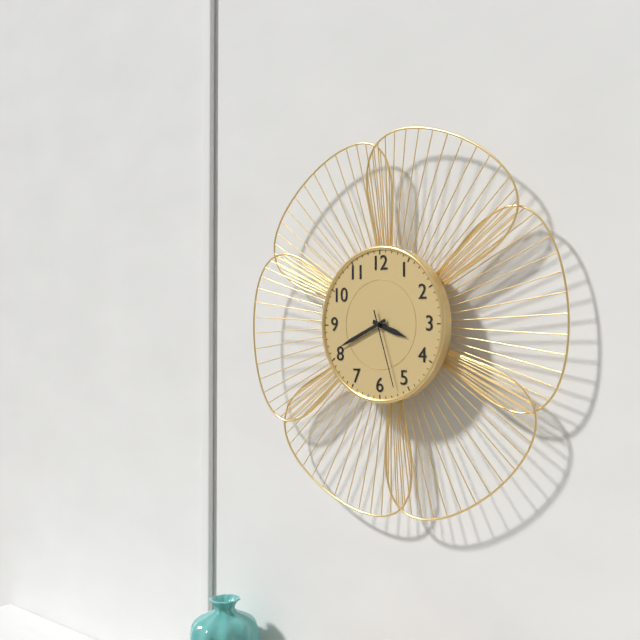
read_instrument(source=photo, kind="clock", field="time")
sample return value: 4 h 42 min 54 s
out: 3 h 41 min 27 s
